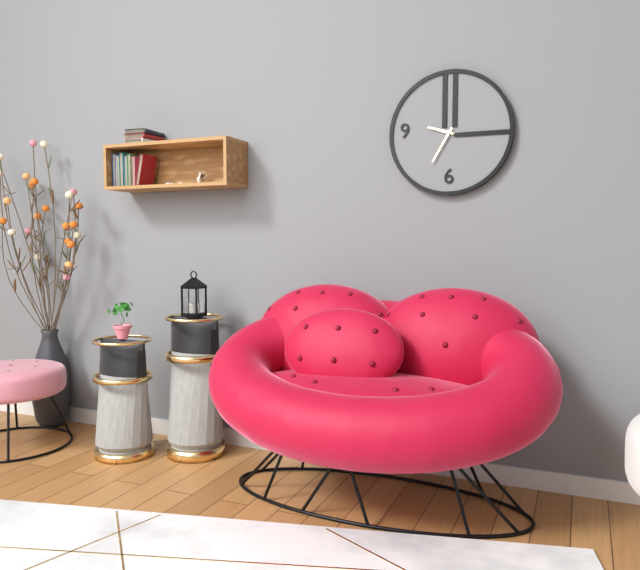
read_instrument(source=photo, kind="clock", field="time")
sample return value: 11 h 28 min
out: 9 h 35 min
